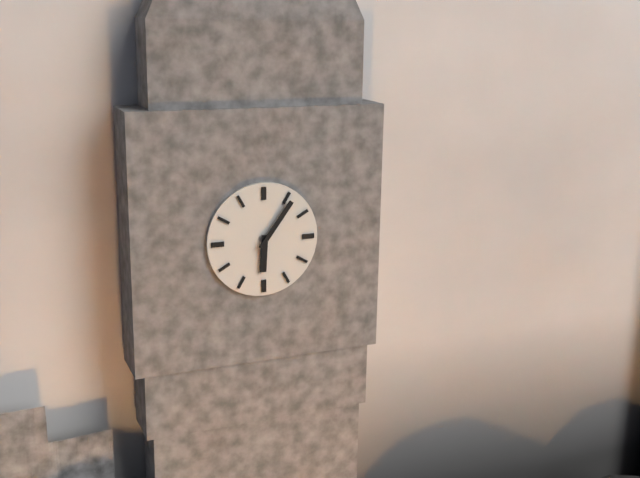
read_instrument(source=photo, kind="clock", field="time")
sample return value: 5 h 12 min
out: 6 h 06 min
